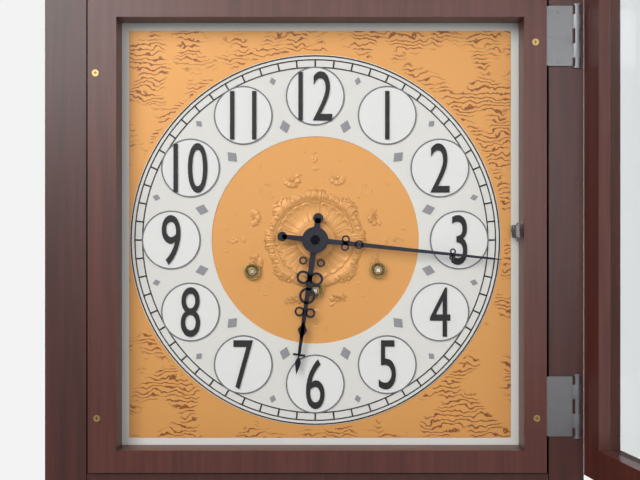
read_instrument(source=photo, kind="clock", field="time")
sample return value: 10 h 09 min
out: 6 h 16 min
